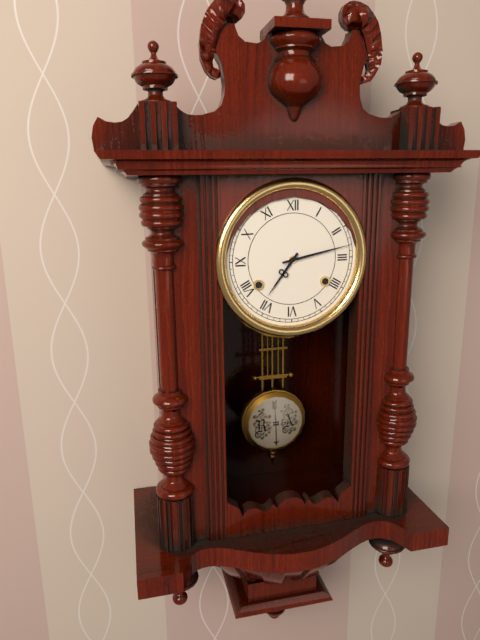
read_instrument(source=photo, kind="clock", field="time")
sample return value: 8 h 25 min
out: 7 h 13 min
